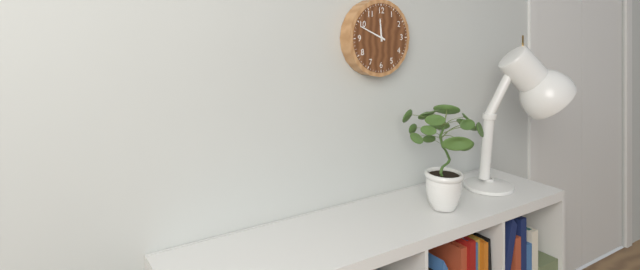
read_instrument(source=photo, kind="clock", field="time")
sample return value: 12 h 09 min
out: 11 h 49 min
